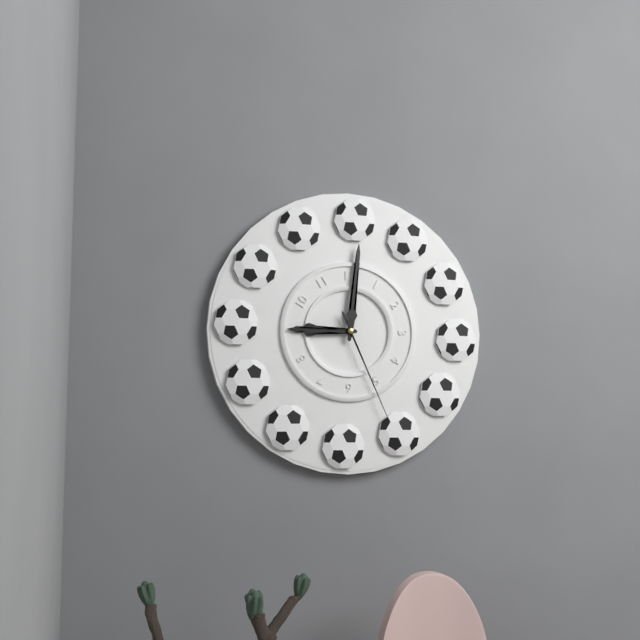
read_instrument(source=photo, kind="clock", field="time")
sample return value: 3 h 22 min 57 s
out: 9 h 01 min 26 s
